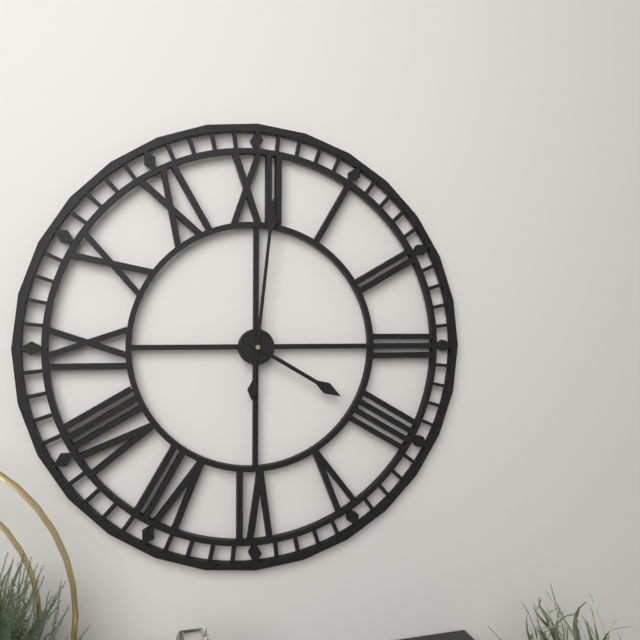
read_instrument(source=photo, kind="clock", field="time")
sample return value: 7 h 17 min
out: 4 h 01 min
